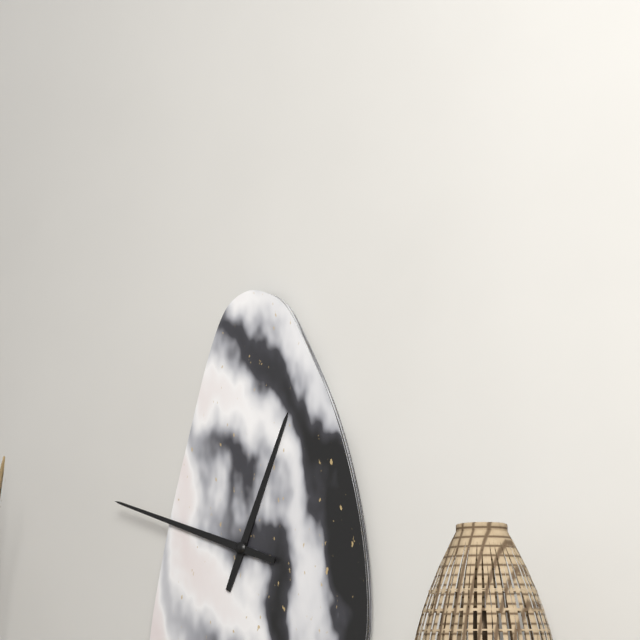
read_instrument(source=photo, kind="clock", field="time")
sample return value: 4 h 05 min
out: 12 h 48 min
